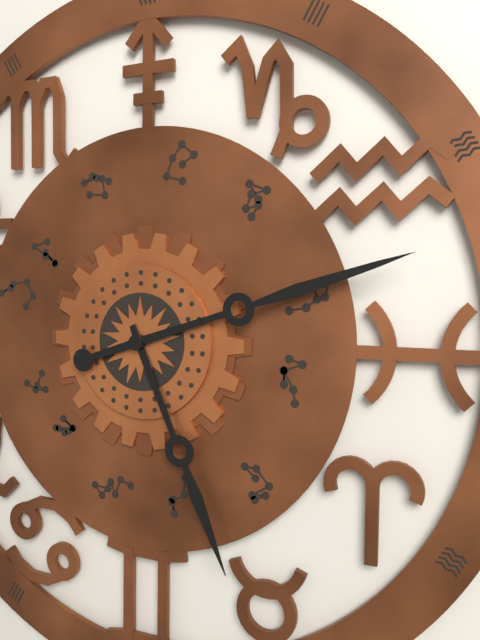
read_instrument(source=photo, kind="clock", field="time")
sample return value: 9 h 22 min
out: 5 h 12 min
